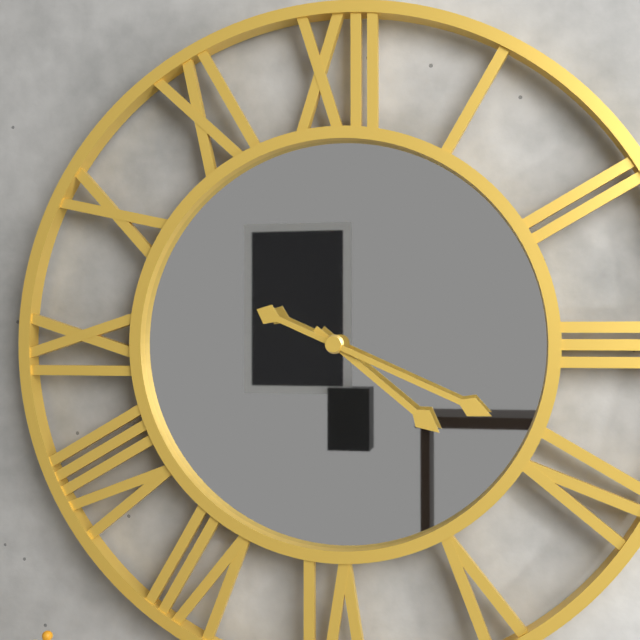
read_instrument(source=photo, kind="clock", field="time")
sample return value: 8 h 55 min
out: 4 h 19 min
